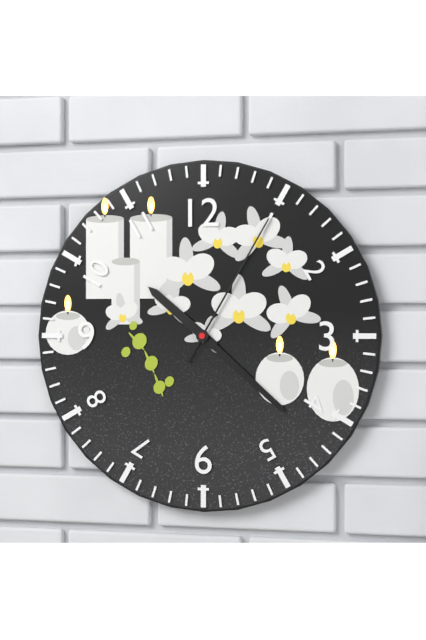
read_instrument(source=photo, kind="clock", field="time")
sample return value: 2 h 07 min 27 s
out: 10 h 22 min 05 s
